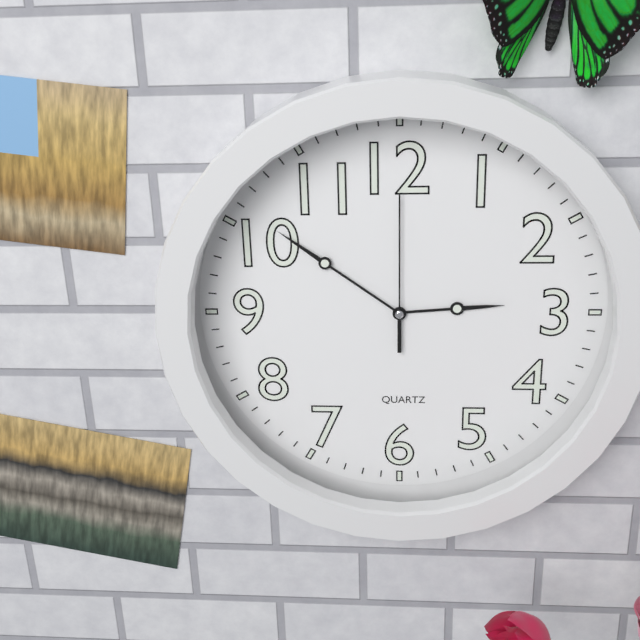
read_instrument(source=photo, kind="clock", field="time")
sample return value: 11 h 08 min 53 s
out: 2 h 51 min 00 s
